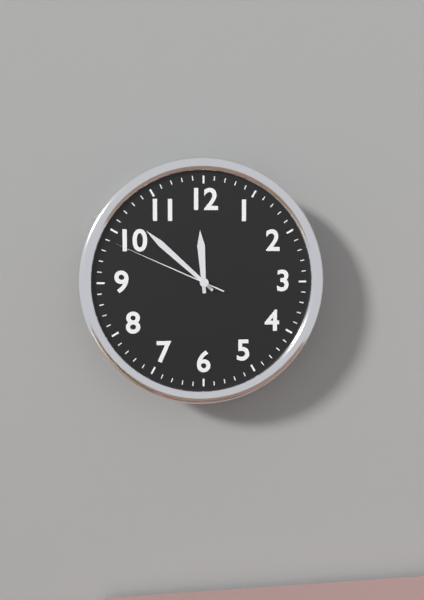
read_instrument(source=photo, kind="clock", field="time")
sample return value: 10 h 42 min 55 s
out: 11 h 52 min 49 s
